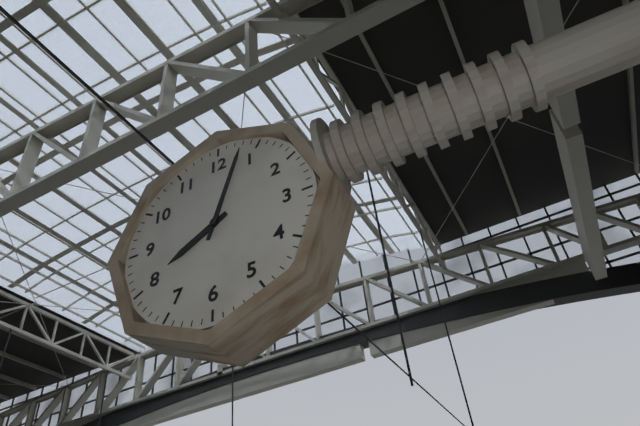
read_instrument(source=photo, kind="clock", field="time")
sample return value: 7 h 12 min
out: 8 h 03 min
